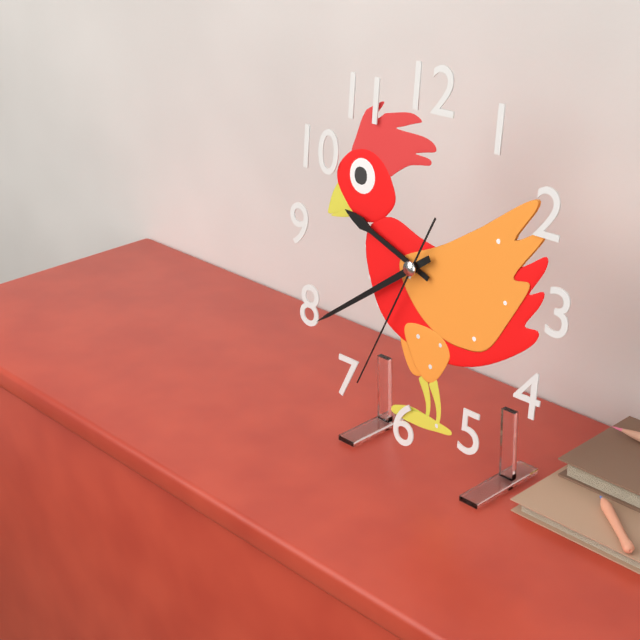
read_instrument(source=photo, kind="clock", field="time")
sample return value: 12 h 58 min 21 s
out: 9 h 39 min 34 s
